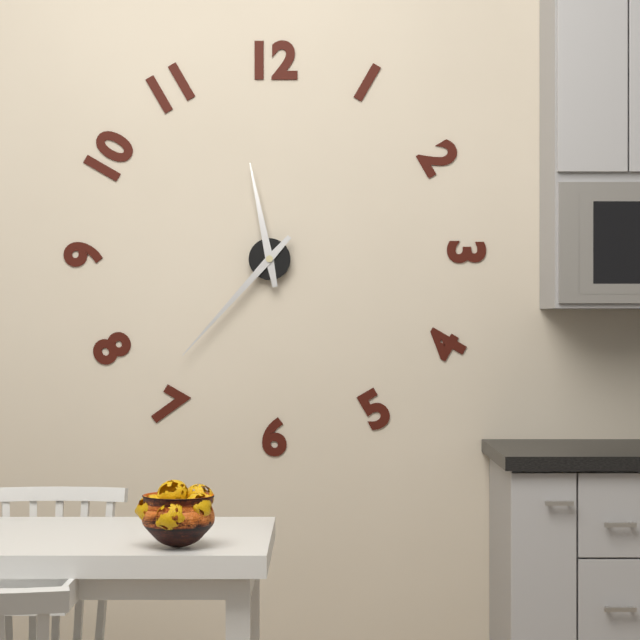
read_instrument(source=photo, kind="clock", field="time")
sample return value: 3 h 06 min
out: 11 h 37 min
